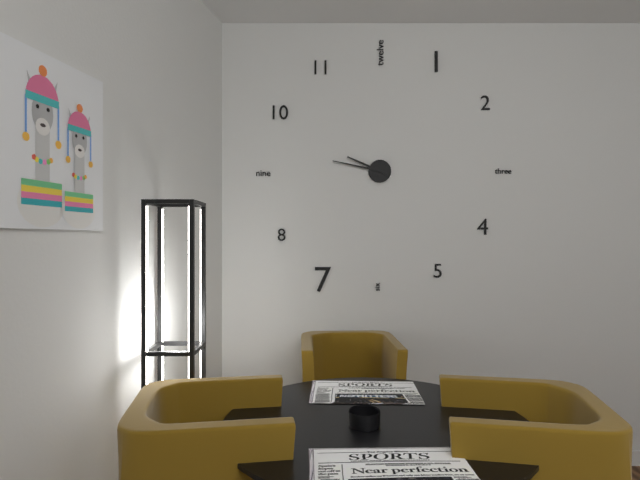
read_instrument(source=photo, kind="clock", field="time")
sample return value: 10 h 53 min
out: 9 h 47 min
